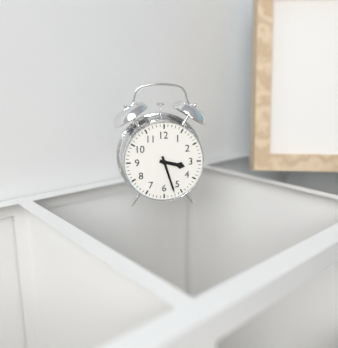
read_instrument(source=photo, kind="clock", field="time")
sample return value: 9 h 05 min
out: 3 h 27 min
